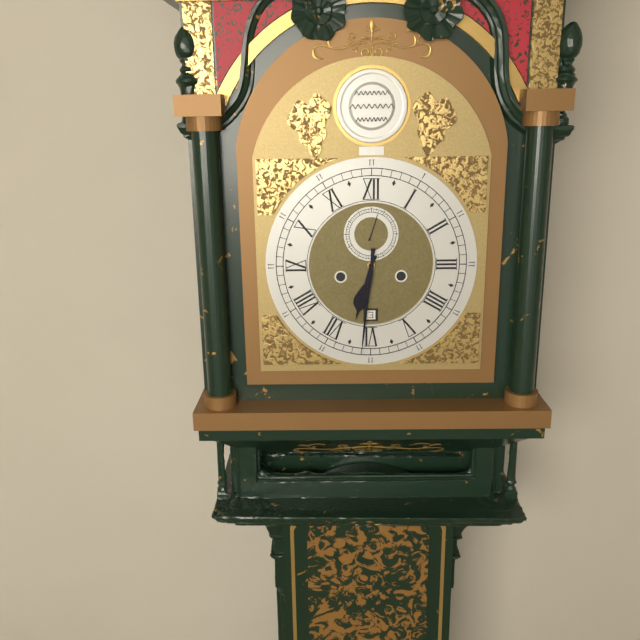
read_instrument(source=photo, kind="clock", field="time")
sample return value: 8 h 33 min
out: 6 h 31 min
